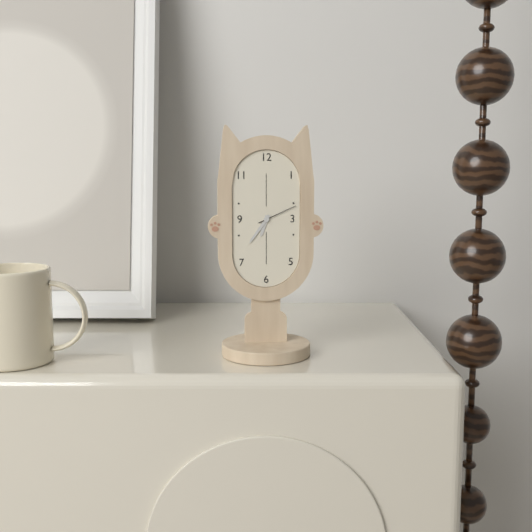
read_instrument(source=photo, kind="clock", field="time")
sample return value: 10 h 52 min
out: 6 h 36 min
